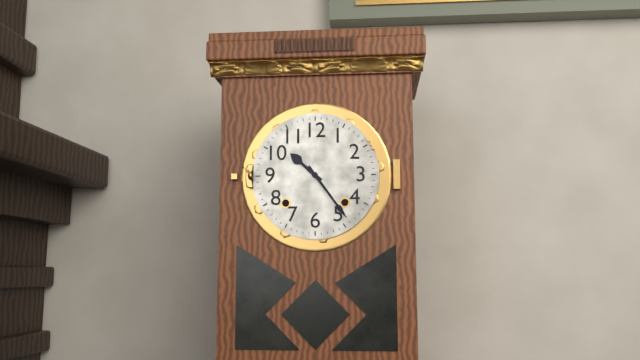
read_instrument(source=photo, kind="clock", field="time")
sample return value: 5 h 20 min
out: 10 h 24 min
